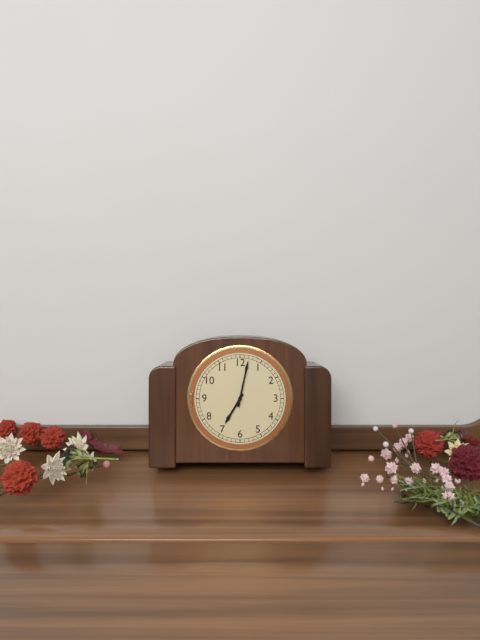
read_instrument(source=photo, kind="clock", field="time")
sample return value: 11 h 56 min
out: 7 h 02 min
